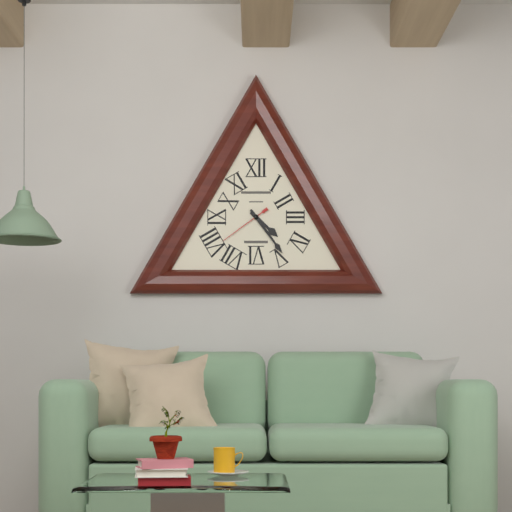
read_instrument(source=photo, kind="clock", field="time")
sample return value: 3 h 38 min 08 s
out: 4 h 24 min 39 s
